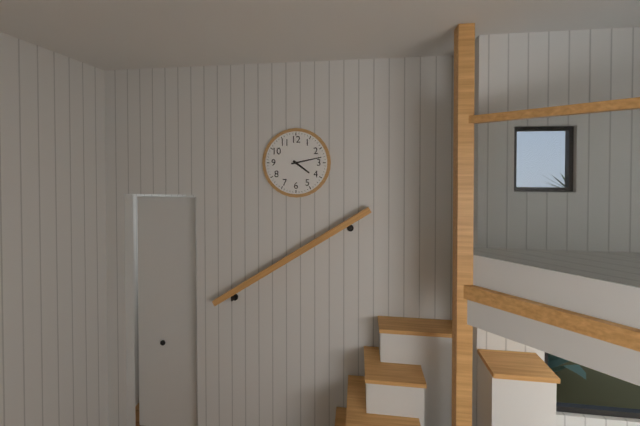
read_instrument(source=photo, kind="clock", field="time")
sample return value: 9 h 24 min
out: 4 h 13 min
